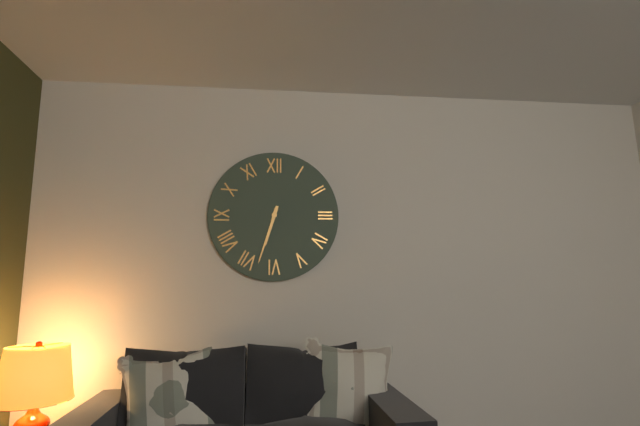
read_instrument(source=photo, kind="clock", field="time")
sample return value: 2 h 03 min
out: 6 h 33 min
